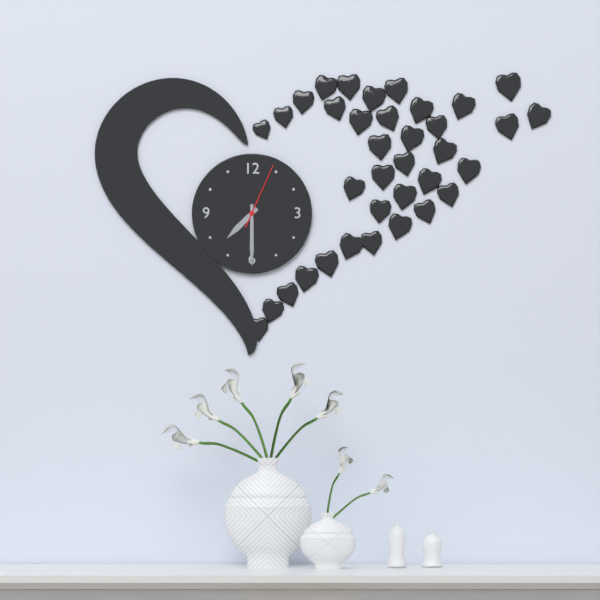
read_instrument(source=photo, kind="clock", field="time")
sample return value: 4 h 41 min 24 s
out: 7 h 30 min 04 s
